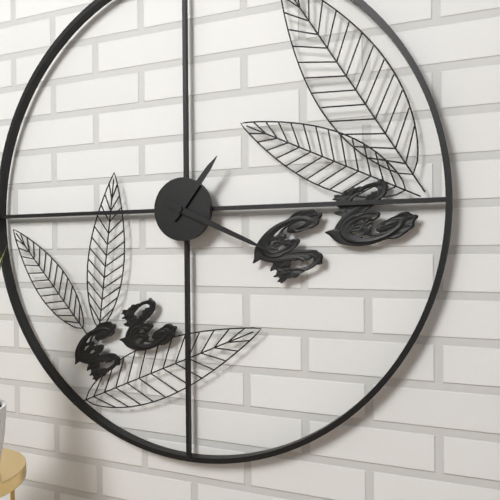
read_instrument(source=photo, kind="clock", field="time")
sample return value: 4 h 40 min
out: 1 h 19 min
